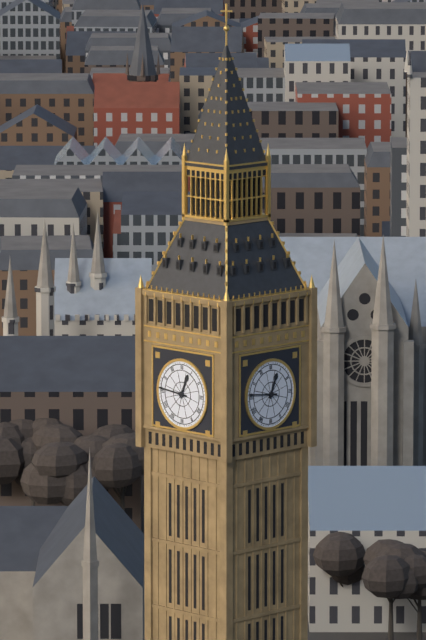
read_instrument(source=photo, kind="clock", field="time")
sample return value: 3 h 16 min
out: 12 h 46 min
